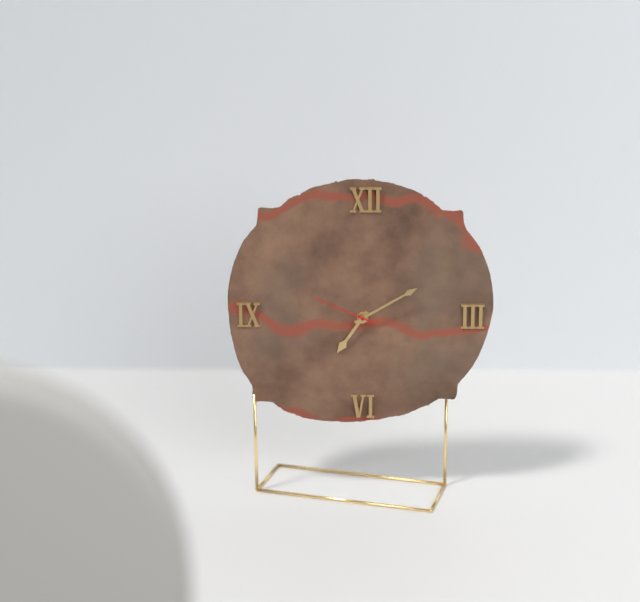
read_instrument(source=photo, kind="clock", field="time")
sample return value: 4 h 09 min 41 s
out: 7 h 10 min 49 s
